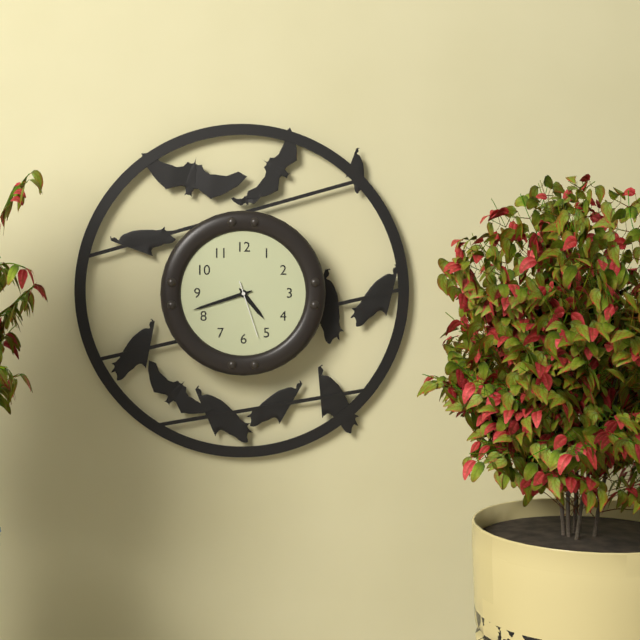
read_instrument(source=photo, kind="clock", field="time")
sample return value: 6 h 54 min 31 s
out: 4 h 42 min 27 s
